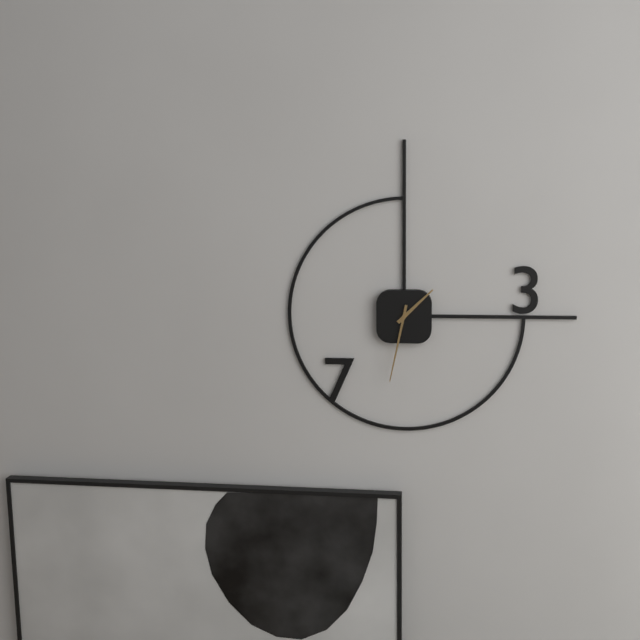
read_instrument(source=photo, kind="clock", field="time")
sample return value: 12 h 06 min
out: 1 h 32 min
